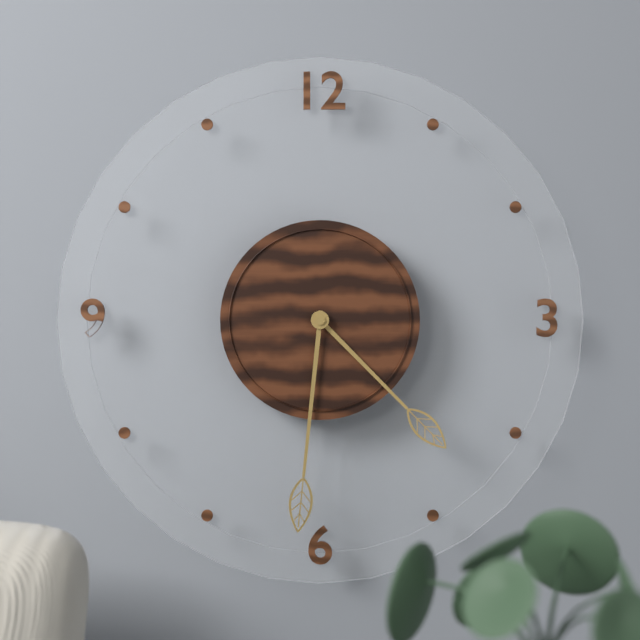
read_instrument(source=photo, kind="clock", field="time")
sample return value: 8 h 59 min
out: 4 h 31 min
